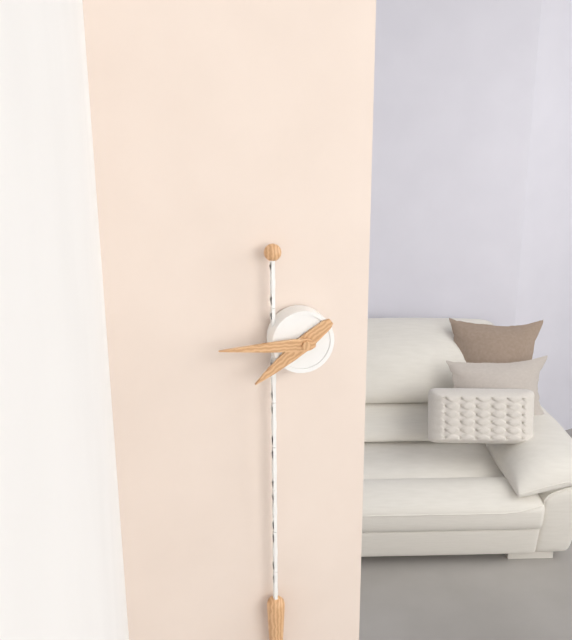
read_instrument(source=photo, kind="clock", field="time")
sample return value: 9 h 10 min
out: 7 h 45 min
